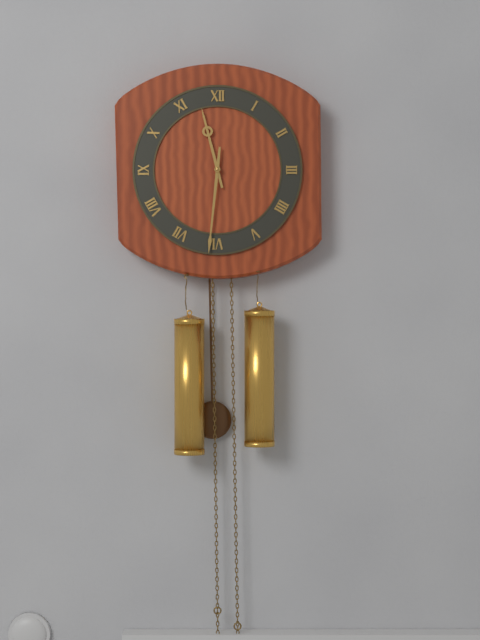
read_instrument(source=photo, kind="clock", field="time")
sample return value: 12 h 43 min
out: 11 h 31 min
